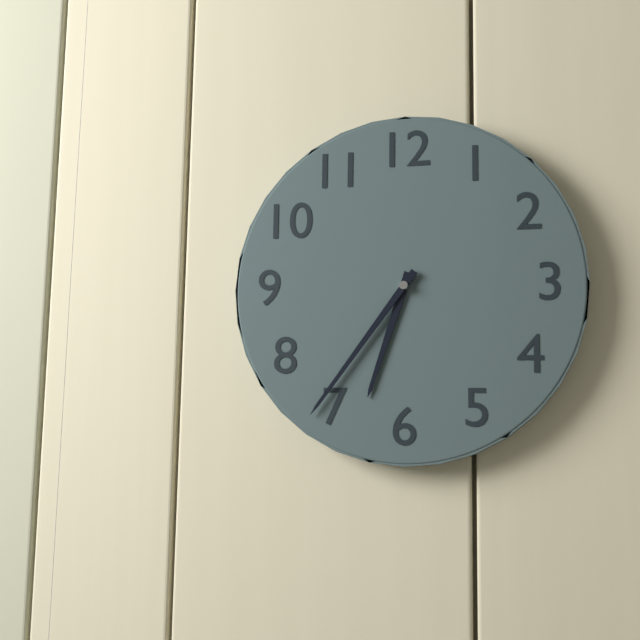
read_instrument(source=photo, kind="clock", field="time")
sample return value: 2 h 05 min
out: 6 h 36 min
